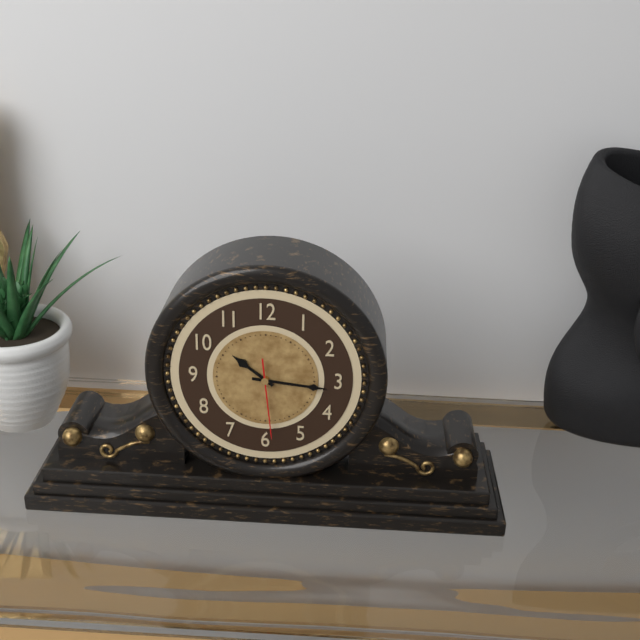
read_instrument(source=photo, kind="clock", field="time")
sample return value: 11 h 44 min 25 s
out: 10 h 16 min 29 s
